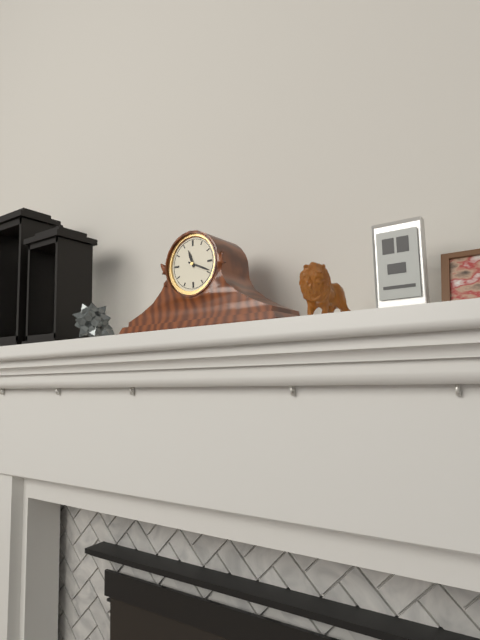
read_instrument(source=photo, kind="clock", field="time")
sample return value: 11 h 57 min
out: 11 h 19 min
